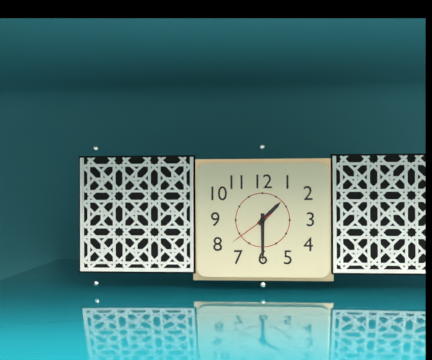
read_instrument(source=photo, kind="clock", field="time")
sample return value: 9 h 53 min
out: 1 h 30 min
